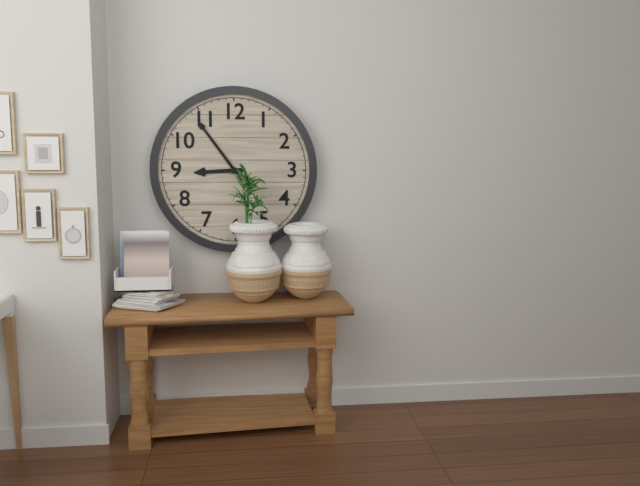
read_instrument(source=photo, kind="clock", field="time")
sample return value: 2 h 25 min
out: 8 h 54 min
